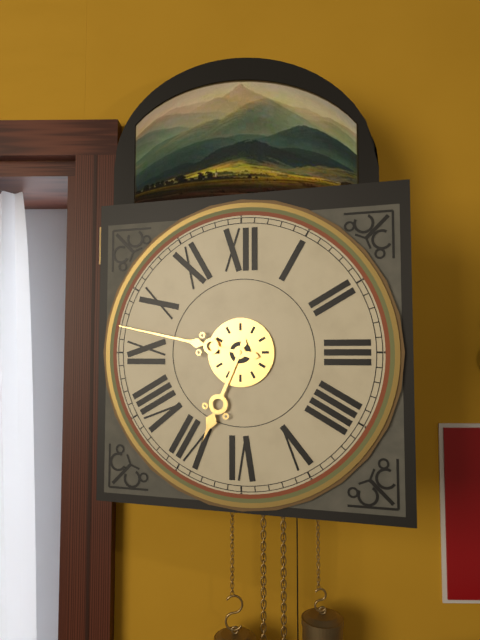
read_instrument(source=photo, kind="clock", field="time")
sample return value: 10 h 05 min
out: 6 h 47 min
